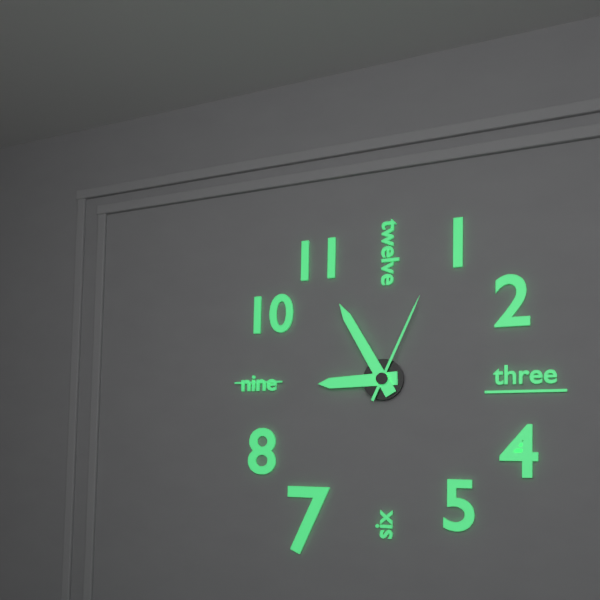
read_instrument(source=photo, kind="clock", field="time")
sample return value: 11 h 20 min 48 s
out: 8 h 55 min 04 s
